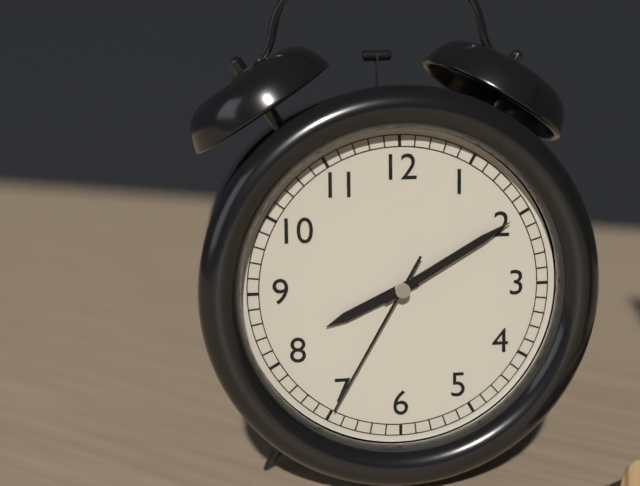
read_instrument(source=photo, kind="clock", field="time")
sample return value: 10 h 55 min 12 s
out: 8 h 10 min 35 s
